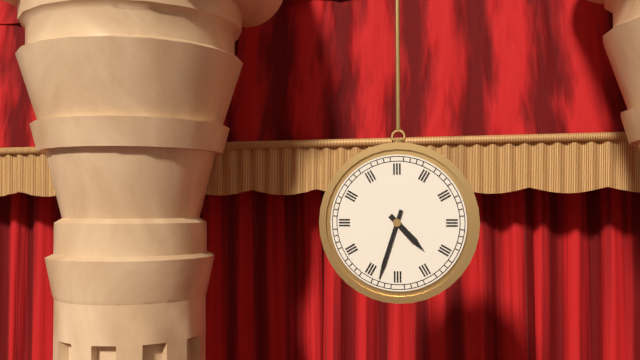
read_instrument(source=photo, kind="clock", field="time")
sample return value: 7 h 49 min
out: 4 h 33 min
